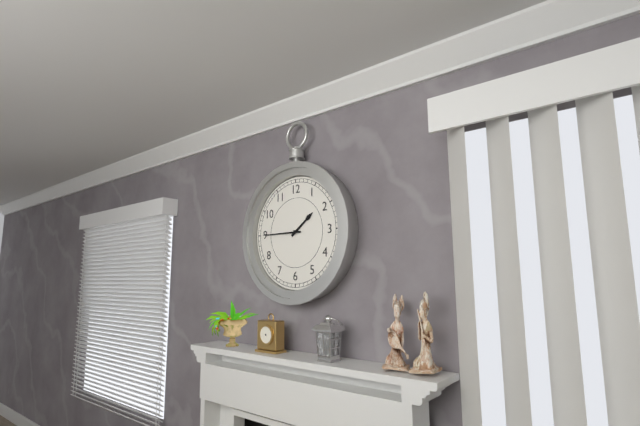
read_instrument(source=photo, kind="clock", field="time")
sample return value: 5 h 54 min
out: 1 h 45 min
